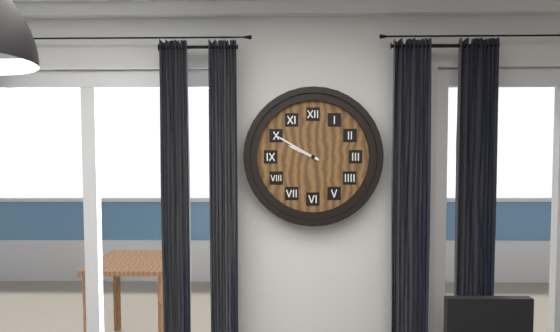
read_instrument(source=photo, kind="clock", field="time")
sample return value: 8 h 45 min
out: 9 h 50 min
